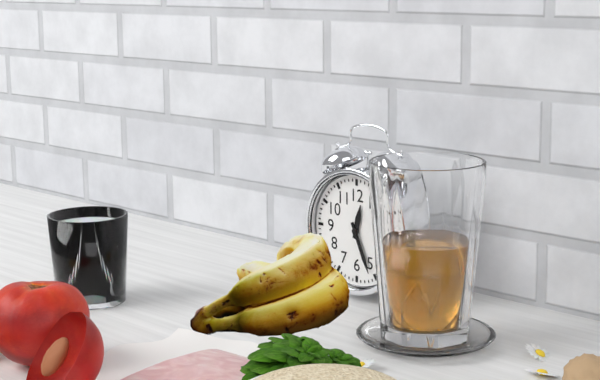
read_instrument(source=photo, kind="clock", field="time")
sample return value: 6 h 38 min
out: 12 h 26 min
